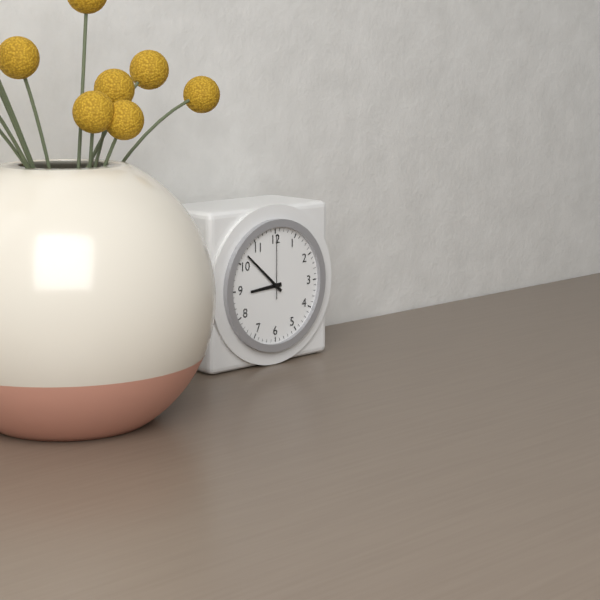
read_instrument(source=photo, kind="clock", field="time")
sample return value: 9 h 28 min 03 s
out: 8 h 52 min 00 s
